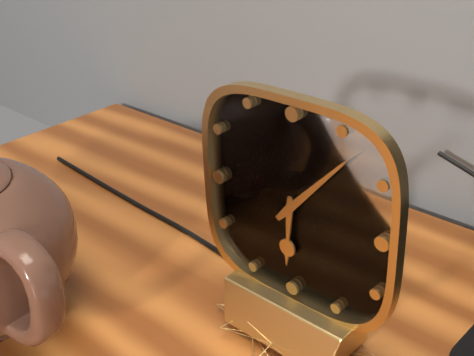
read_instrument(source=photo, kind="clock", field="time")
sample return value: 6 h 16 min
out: 6 h 07 min
